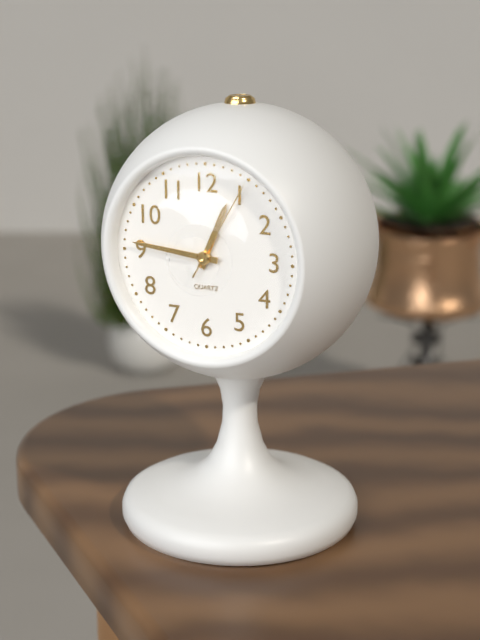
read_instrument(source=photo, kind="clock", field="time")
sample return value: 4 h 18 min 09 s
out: 12 h 46 min 05 s
